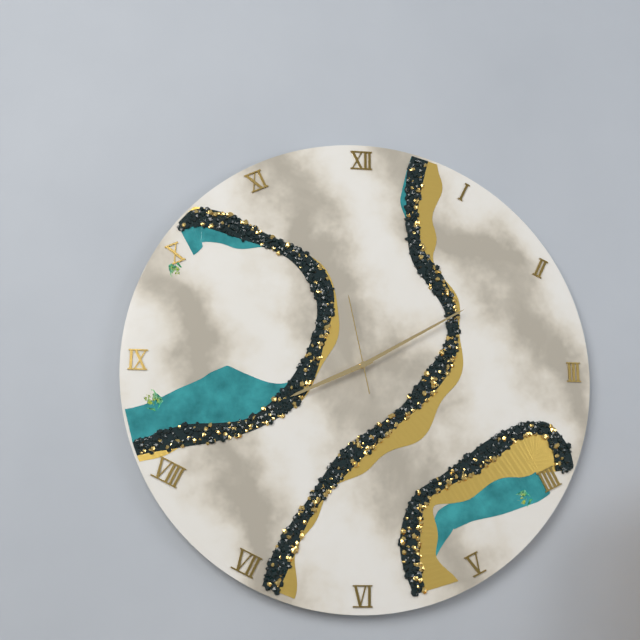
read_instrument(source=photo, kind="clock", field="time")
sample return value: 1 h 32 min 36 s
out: 8 h 10 min 58 s
